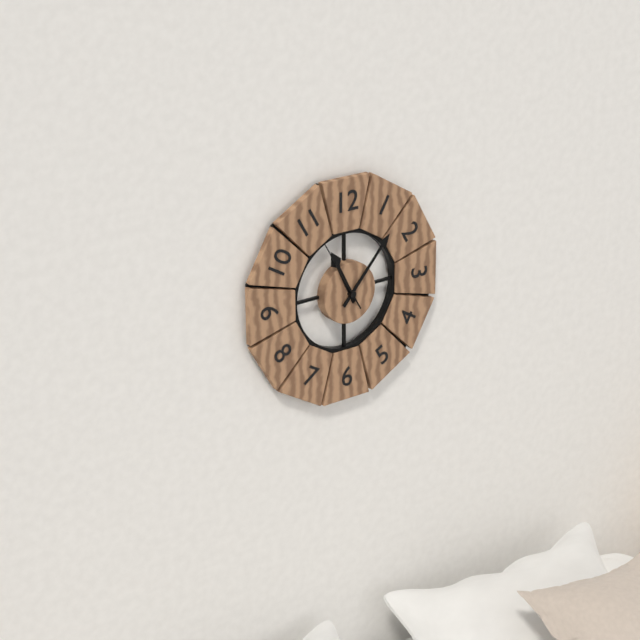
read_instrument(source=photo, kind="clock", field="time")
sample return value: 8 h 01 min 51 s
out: 11 h 07 min 55 s
